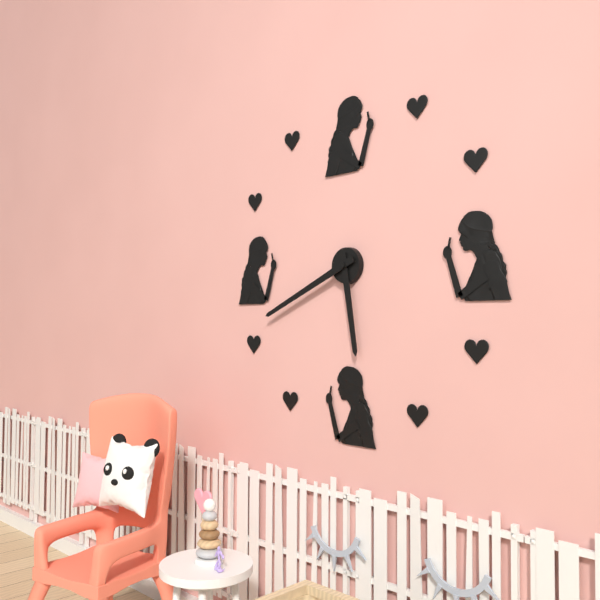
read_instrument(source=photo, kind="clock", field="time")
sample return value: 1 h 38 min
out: 5 h 41 min
